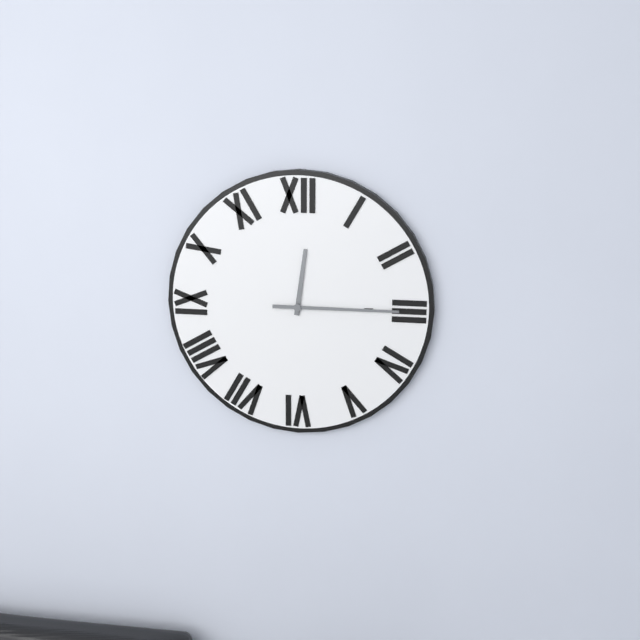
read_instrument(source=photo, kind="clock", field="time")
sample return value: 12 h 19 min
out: 12 h 15 min
